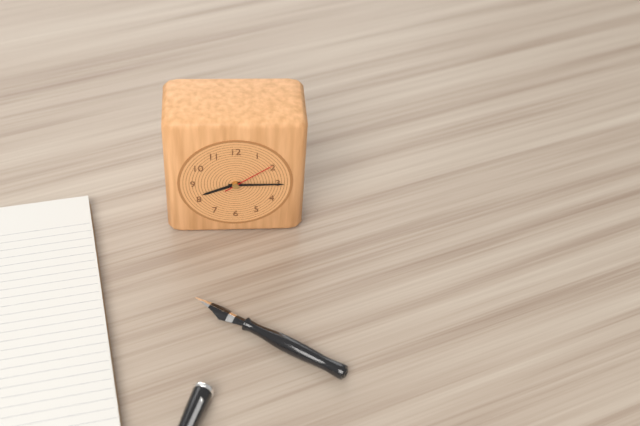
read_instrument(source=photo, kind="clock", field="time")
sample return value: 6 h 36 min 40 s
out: 8 h 15 min 09 s
